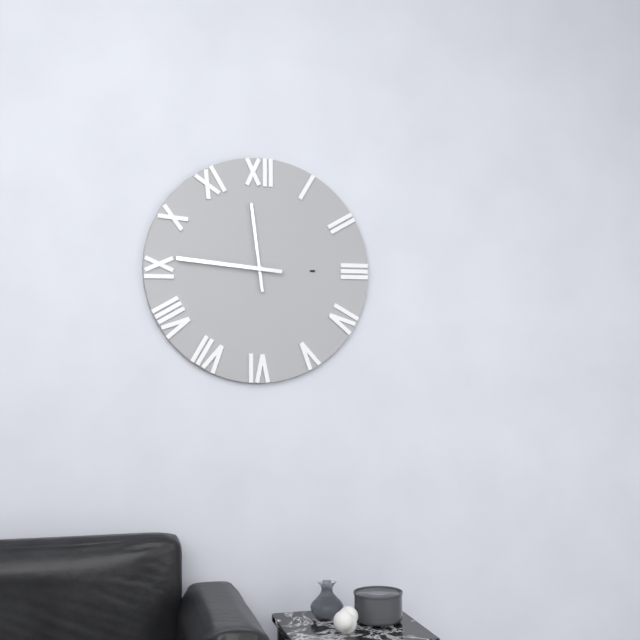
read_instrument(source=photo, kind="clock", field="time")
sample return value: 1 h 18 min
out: 11 h 46 min
